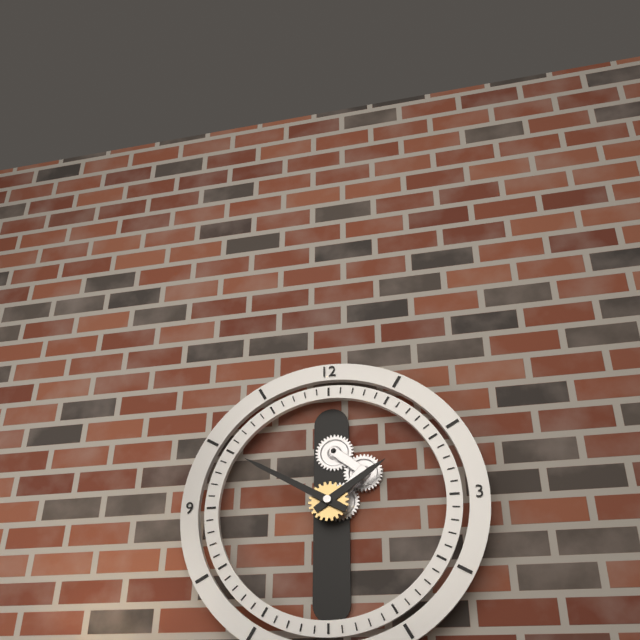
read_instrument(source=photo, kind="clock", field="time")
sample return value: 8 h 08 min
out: 1 h 50 min
